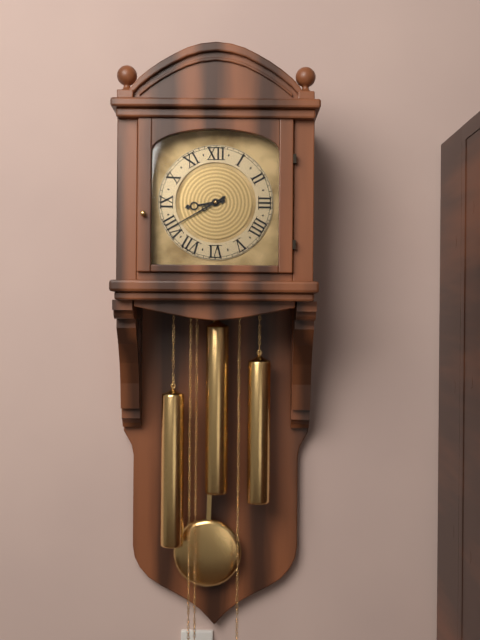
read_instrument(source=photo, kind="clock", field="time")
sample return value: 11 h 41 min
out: 8 h 40 min
